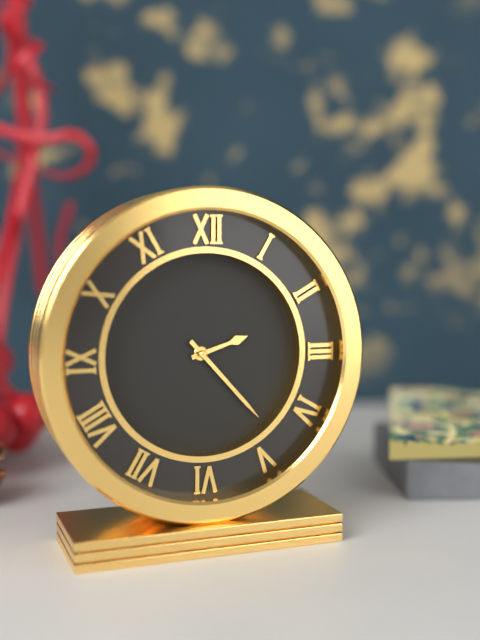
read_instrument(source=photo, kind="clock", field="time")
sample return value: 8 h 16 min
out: 2 h 23 min
